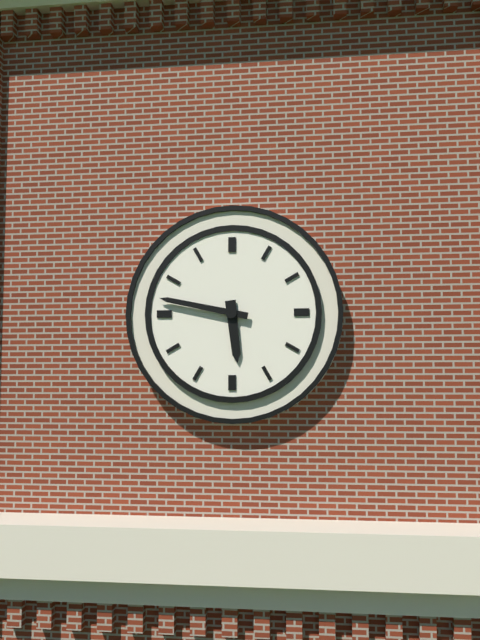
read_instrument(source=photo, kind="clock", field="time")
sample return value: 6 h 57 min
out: 5 h 47 min
